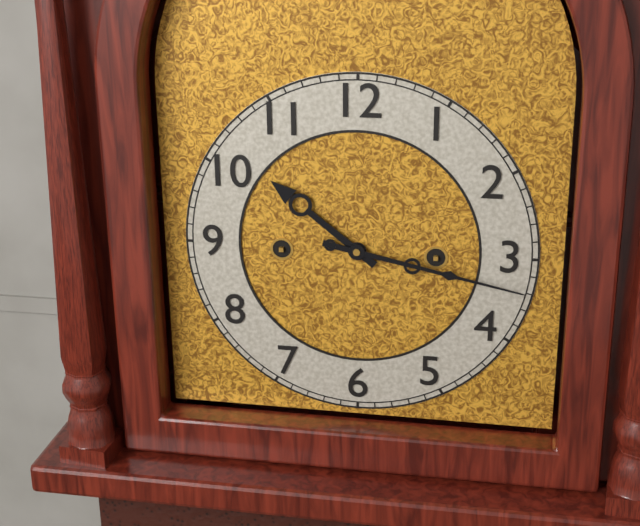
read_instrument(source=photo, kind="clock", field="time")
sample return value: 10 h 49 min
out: 10 h 17 min
